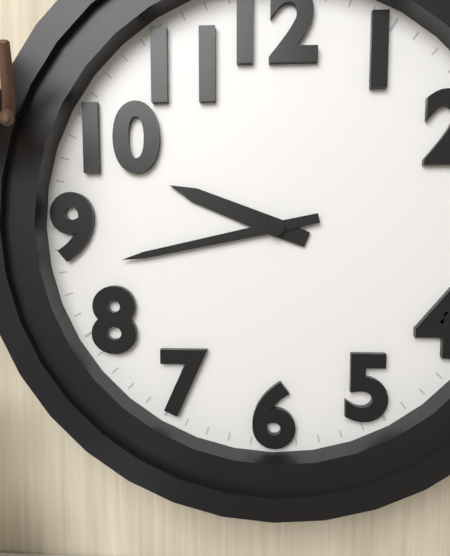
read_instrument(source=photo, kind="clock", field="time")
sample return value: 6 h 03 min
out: 9 h 43 min
